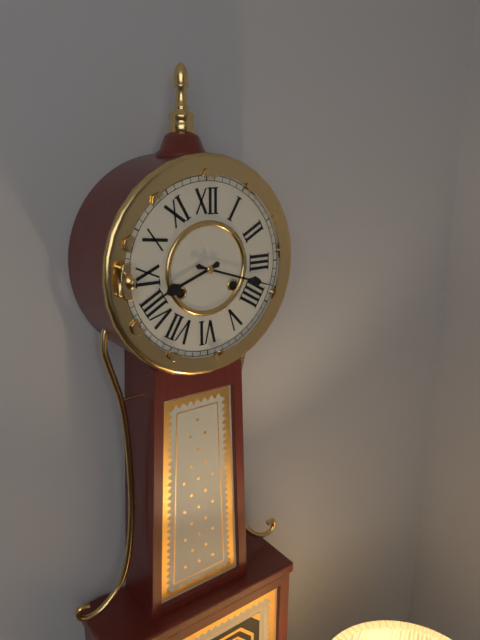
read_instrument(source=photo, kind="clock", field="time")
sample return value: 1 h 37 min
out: 8 h 18 min
